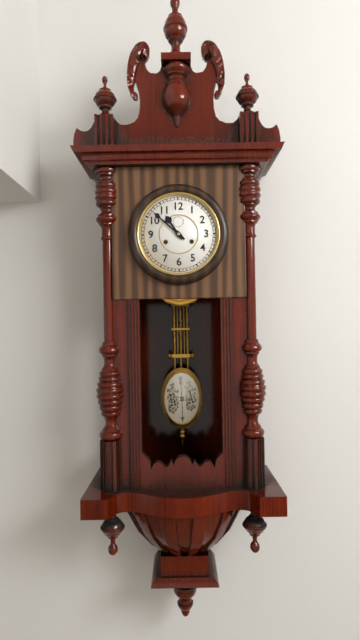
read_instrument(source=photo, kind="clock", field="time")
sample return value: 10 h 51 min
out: 10 h 52 min
